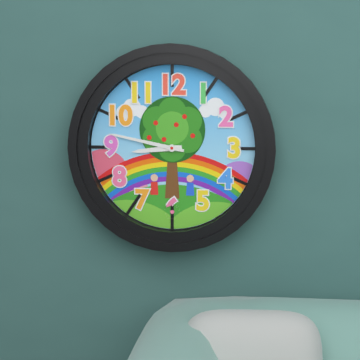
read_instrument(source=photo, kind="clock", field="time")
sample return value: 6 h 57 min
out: 8 h 47 min
